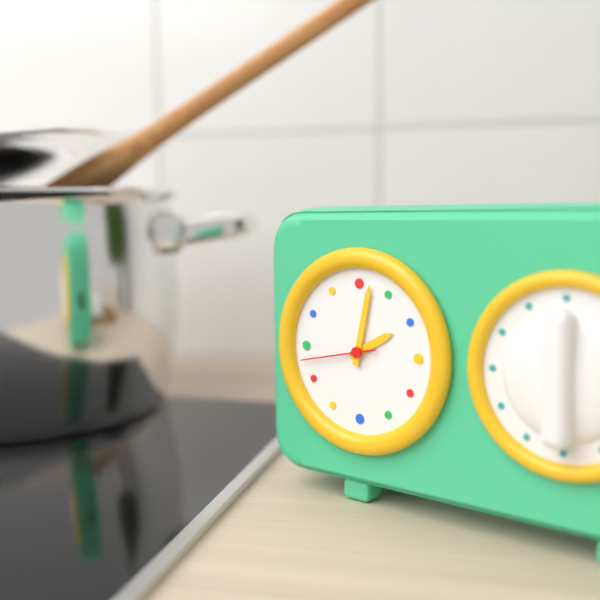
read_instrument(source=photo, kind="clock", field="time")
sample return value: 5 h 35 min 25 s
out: 2 h 02 min 43 s
